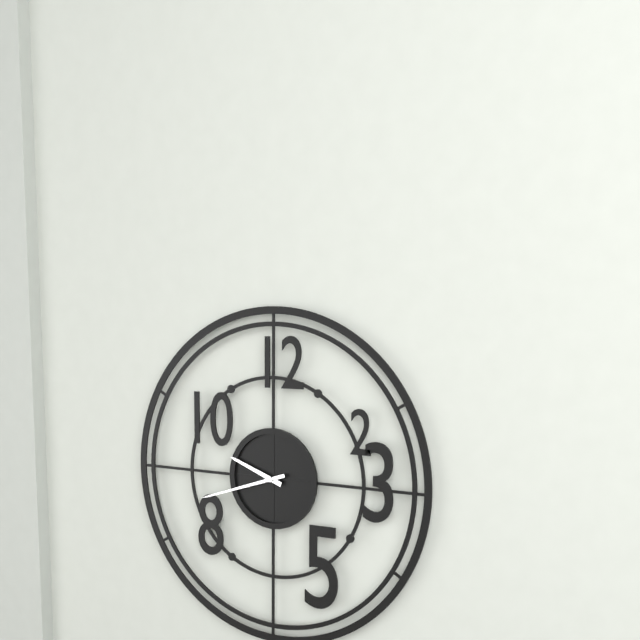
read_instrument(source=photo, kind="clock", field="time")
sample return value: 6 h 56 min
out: 9 h 42 min
